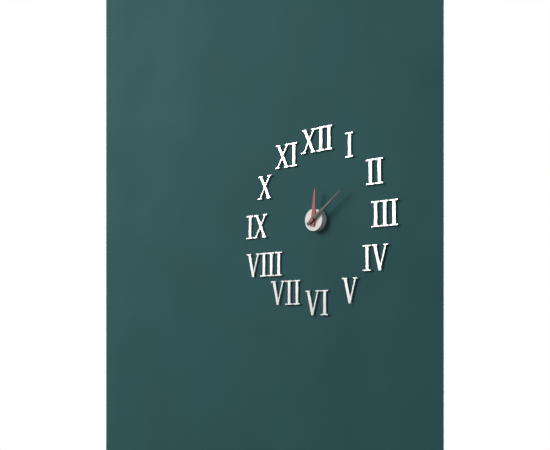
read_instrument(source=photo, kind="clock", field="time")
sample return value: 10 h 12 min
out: 12 h 09 min
